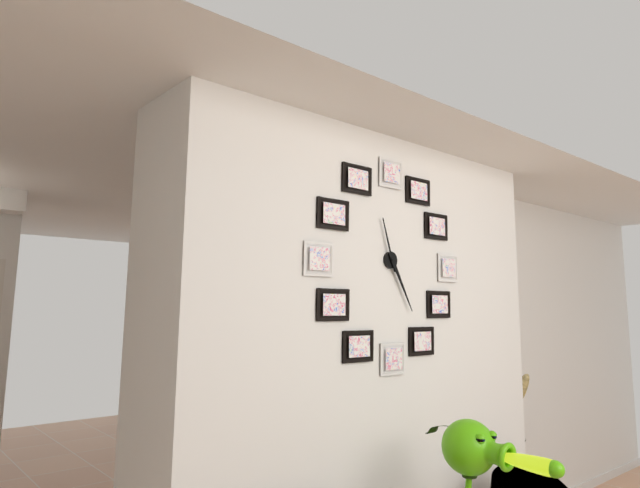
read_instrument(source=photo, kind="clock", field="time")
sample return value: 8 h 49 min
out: 11 h 25 min
